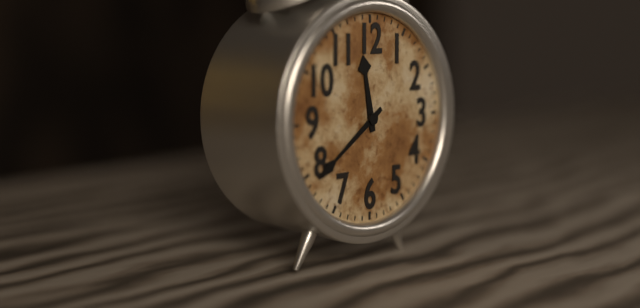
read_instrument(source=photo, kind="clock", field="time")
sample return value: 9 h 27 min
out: 11 h 39 min
